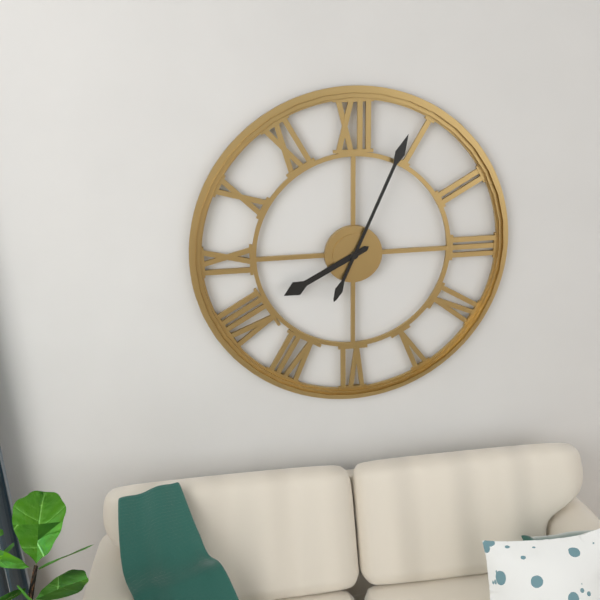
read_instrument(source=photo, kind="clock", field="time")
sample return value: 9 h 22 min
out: 8 h 04 min
